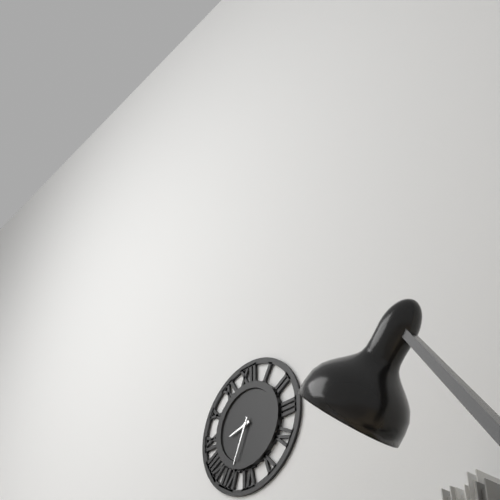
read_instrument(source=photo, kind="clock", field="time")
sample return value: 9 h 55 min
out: 8 h 34 min
